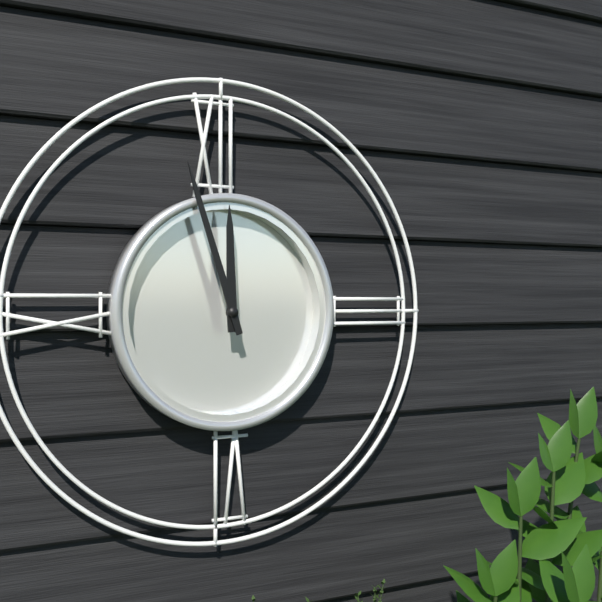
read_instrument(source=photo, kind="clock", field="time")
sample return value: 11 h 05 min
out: 11 h 57 min
